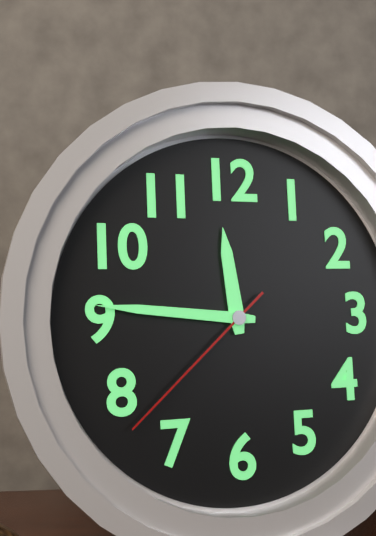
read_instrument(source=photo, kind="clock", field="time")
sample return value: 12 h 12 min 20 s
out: 11 h 46 min 38 s
